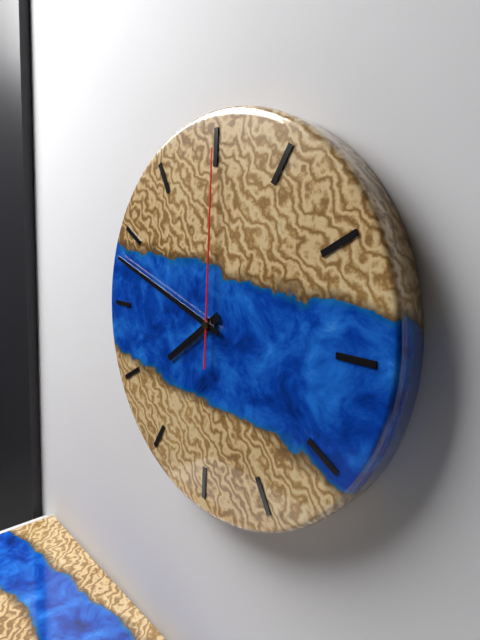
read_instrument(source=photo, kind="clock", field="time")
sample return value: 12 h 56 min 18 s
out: 7 h 48 min 00 s
